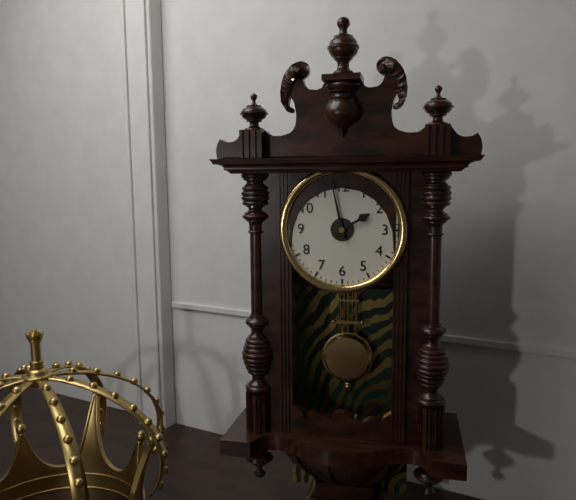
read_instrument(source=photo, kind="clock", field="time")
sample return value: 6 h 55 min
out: 1 h 58 min
